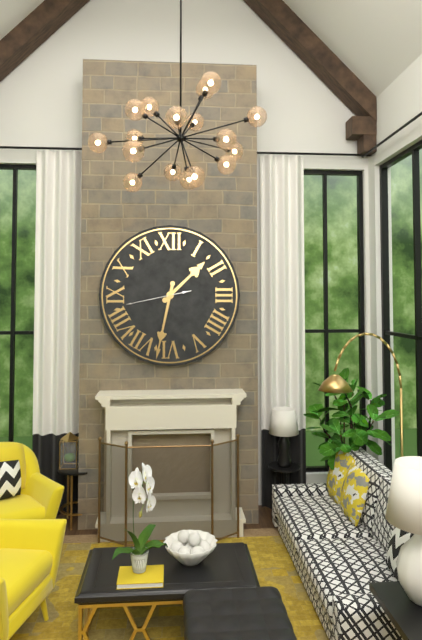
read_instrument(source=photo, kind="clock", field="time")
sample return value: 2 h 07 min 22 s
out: 1 h 32 min 43 s
